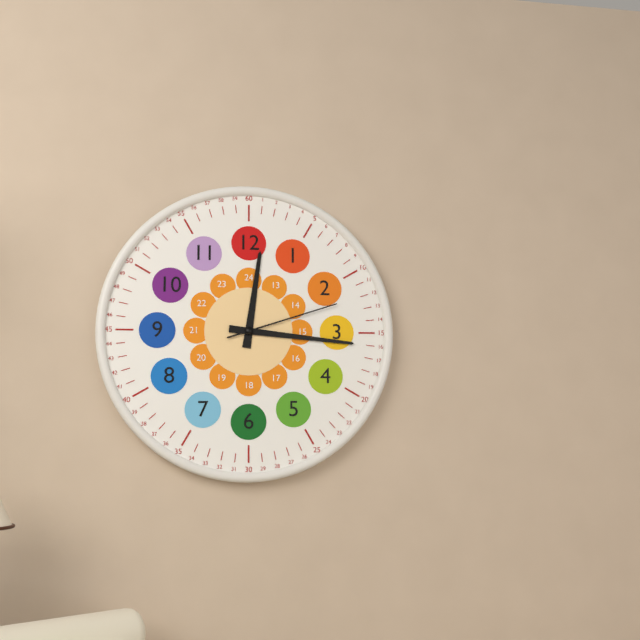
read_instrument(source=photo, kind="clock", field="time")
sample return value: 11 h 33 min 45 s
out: 12 h 16 min 12 s
